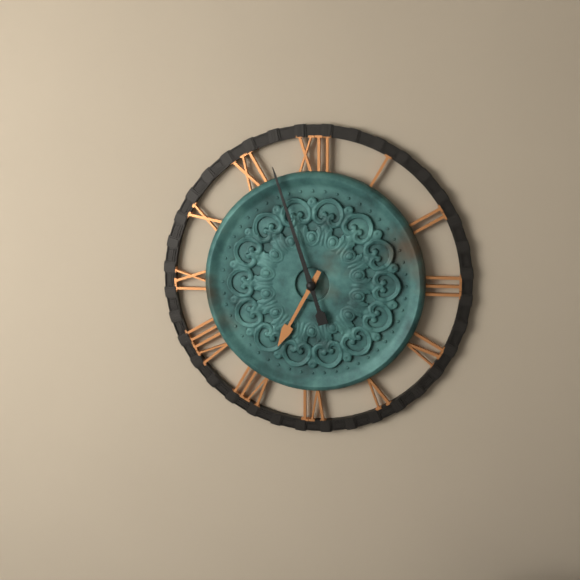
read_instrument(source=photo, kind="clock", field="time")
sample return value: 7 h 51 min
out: 6 h 57 min
